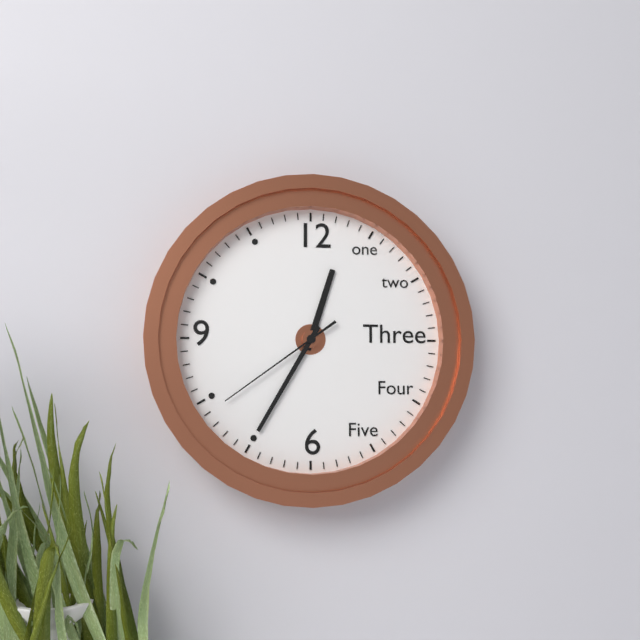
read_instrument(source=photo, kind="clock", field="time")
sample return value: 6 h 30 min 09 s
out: 12 h 35 min 39 s
